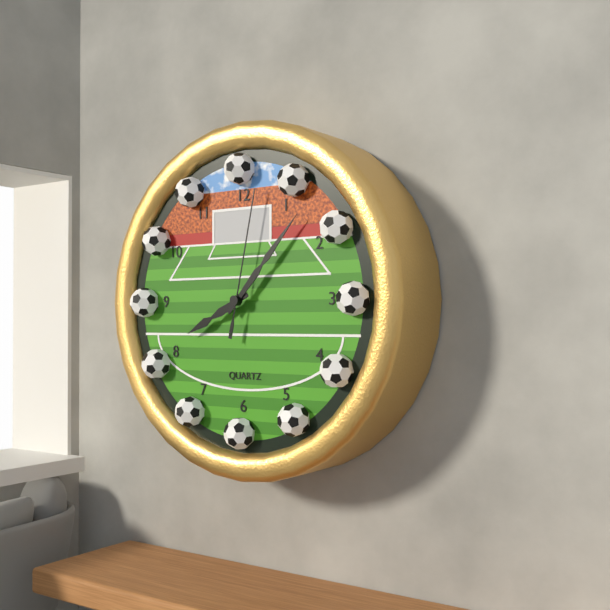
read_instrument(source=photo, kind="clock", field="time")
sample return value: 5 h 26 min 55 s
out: 8 h 07 min 02 s
